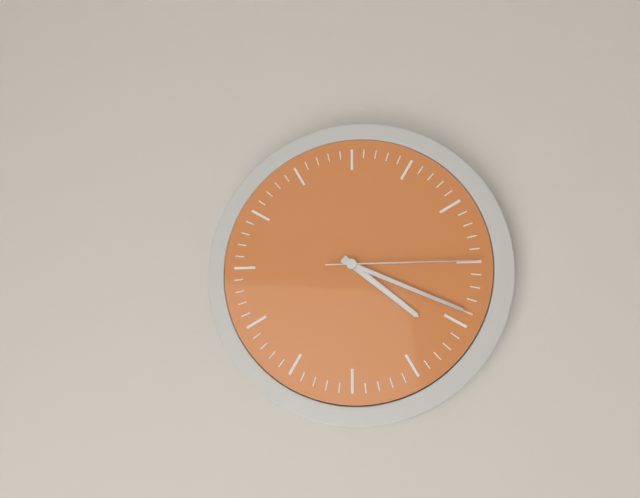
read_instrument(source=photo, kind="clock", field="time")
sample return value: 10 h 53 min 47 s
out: 4 h 19 min 15 s
